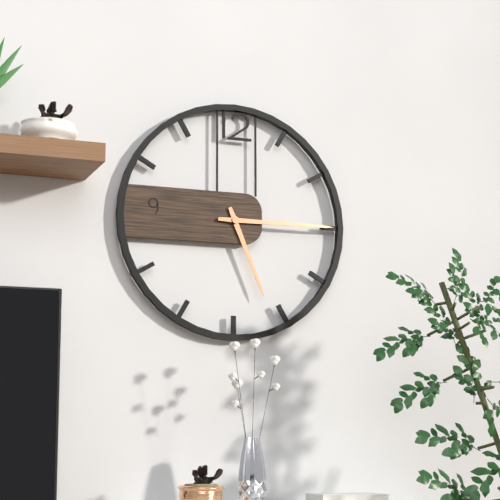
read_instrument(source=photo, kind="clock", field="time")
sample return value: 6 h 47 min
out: 5 h 15 min
